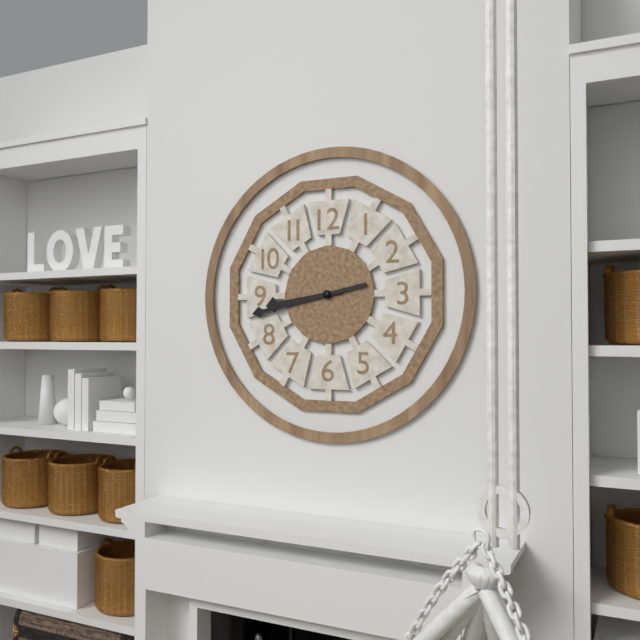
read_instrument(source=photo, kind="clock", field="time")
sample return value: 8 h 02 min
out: 8 h 43 min
